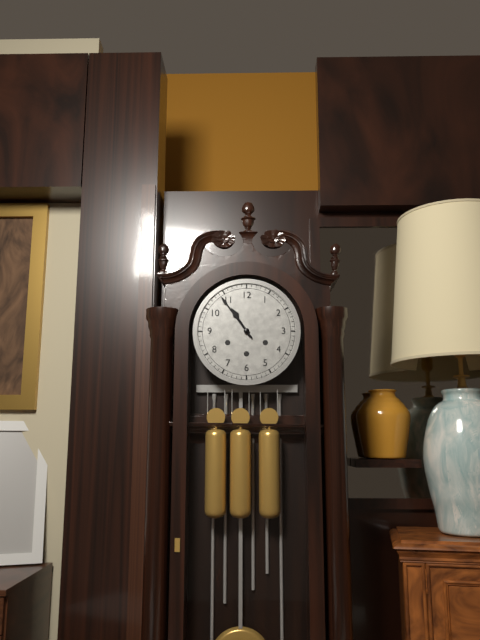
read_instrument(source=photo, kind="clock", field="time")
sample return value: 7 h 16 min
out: 10 h 54 min
